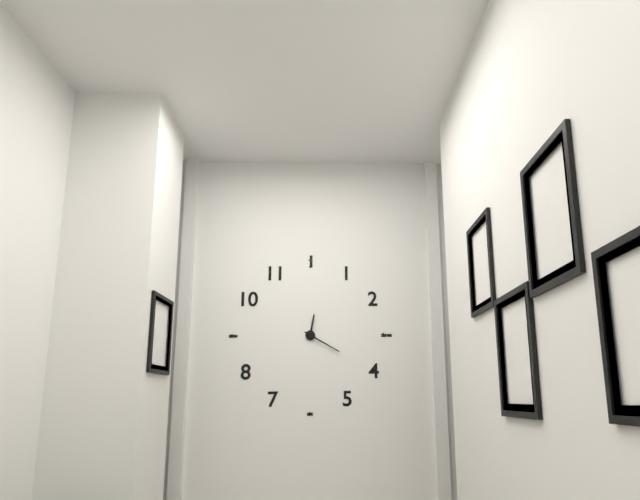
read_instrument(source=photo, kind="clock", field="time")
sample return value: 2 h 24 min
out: 12 h 20 min
